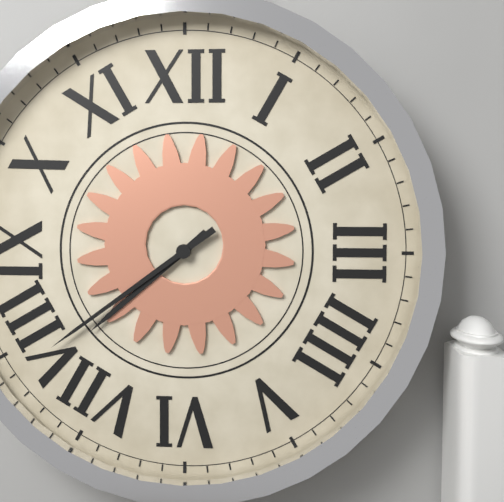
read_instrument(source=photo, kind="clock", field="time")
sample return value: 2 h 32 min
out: 7 h 39 min
